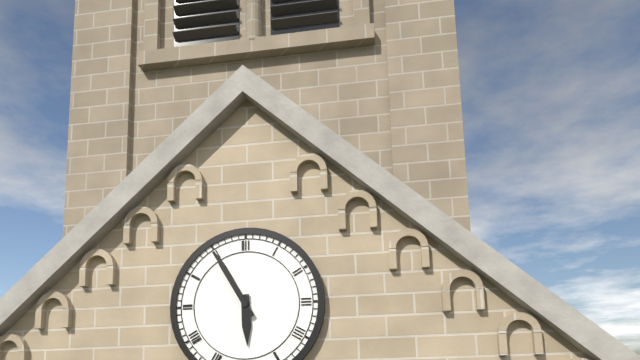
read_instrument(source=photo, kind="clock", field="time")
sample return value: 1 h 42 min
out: 5 h 55 min
